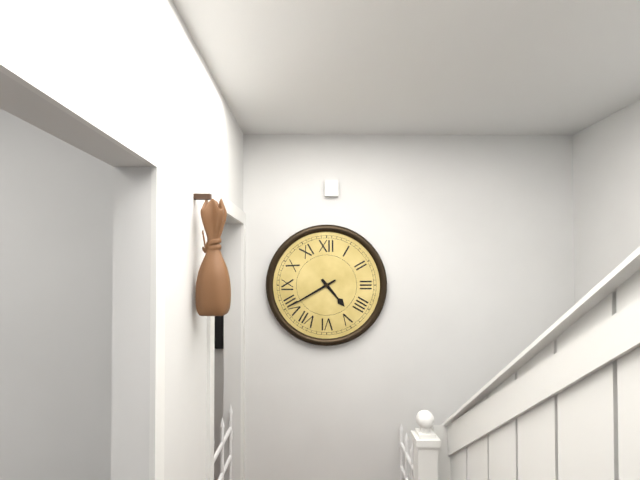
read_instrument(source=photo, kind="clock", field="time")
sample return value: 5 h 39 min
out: 4 h 40 min
